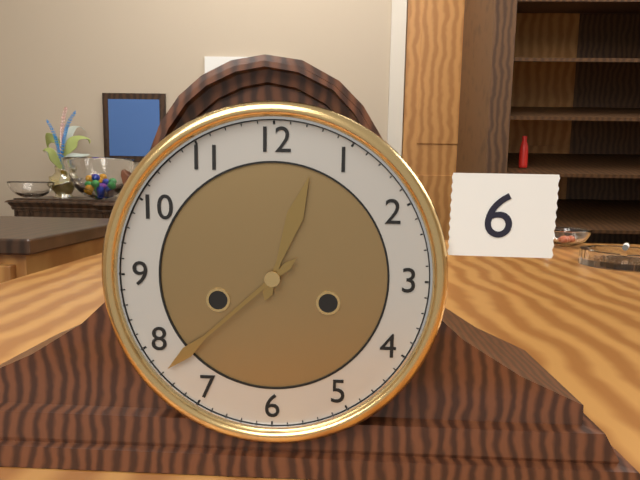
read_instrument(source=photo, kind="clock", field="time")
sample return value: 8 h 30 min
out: 12 h 38 min
